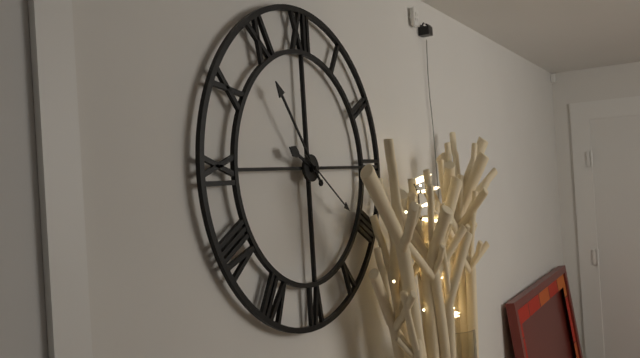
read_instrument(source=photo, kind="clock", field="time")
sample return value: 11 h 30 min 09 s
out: 9 h 54 min 21 s
